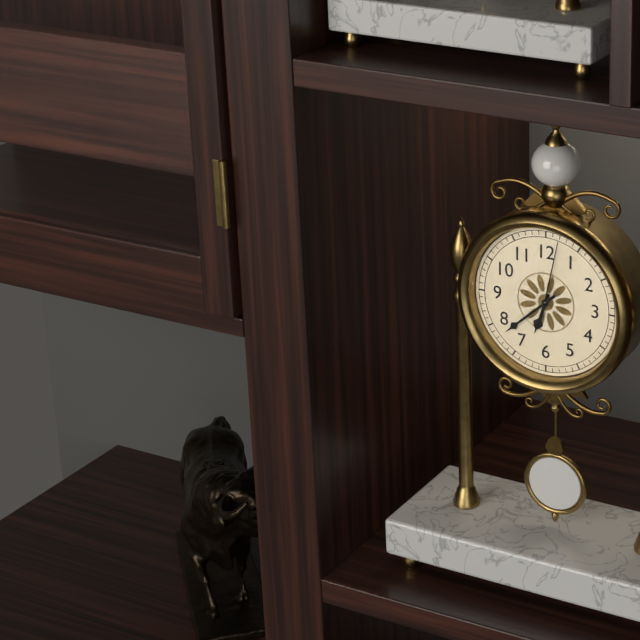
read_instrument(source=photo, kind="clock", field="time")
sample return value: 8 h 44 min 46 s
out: 6 h 38 min 02 s
